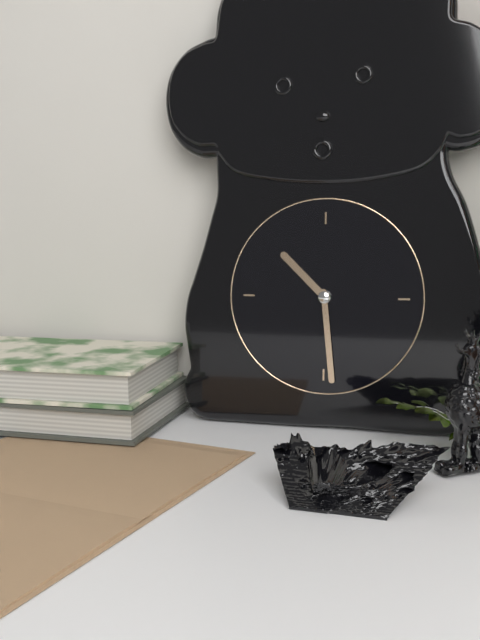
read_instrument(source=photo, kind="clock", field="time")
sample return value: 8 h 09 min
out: 10 h 29 min
